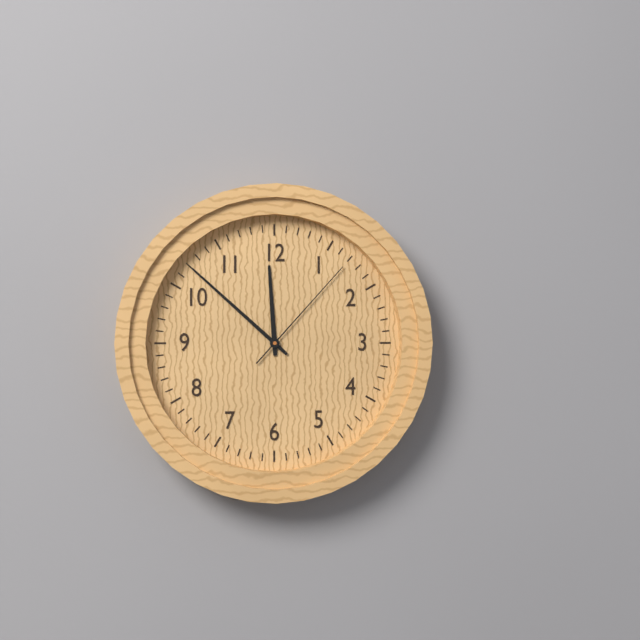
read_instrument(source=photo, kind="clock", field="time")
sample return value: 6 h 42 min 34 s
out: 11 h 52 min 07 s
